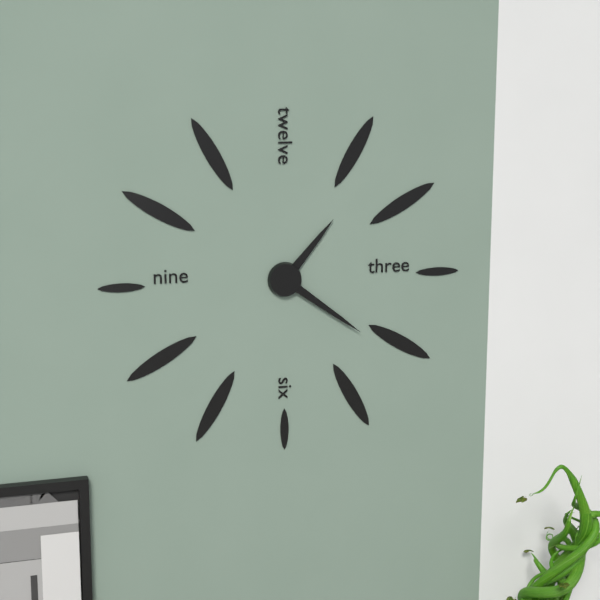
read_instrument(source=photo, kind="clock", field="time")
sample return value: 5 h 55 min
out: 1 h 21 min
